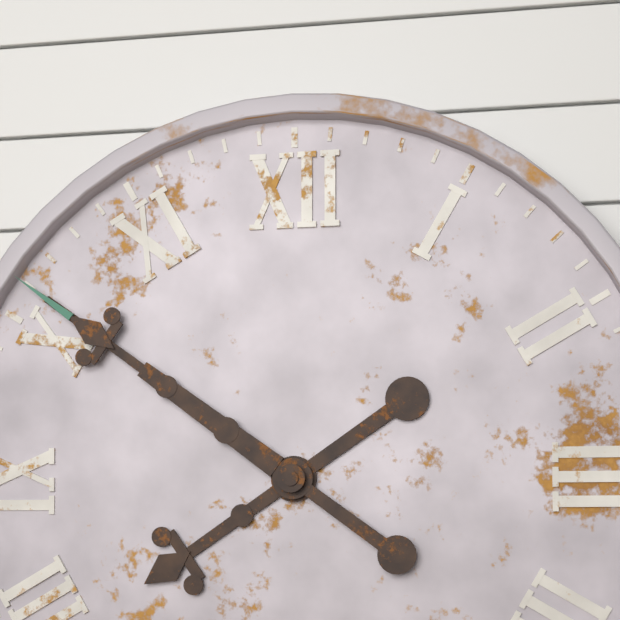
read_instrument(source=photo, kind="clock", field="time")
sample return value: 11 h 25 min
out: 7 h 51 min
